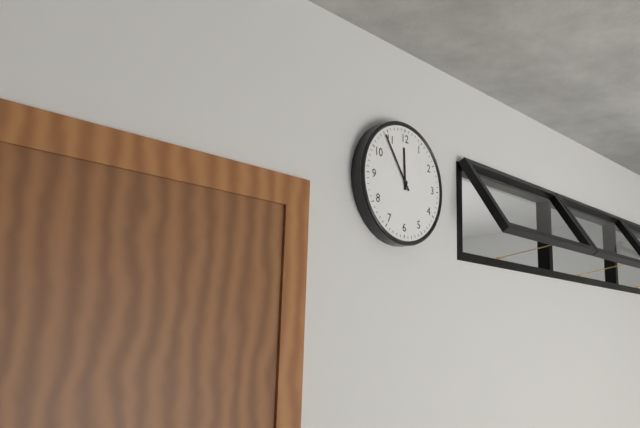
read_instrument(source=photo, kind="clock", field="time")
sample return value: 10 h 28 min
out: 11 h 54 min
